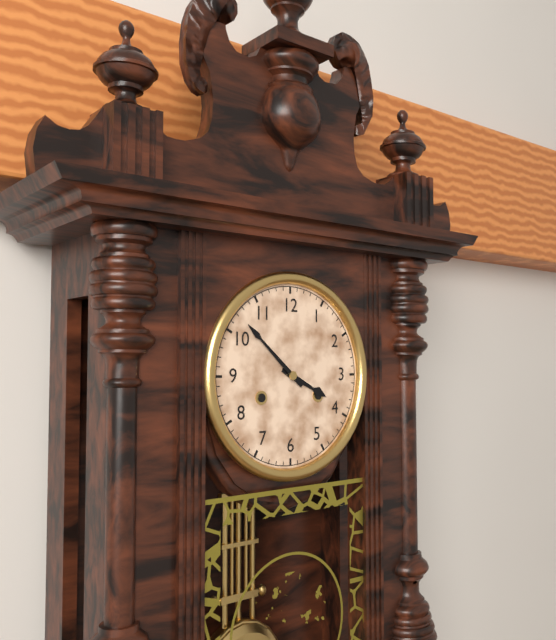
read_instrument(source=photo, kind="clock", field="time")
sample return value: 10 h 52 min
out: 3 h 52 min
